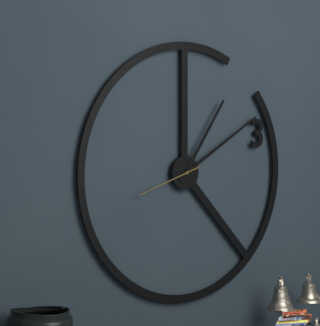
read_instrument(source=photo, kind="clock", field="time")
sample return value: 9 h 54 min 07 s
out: 1 h 10 min 42 s
